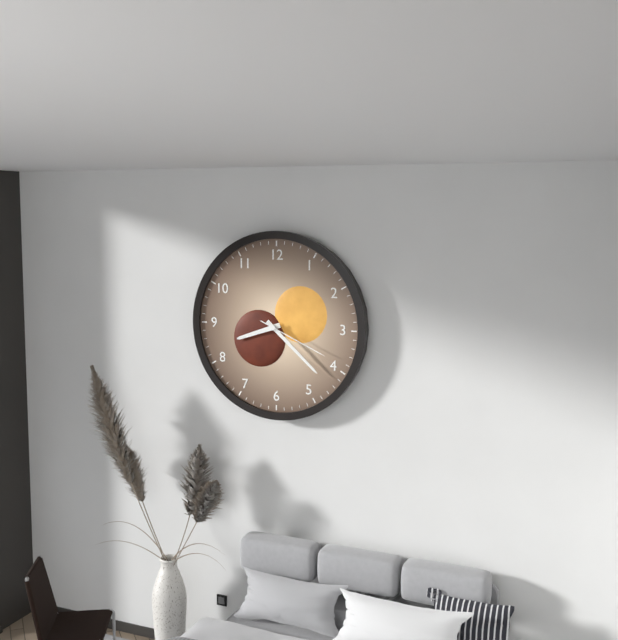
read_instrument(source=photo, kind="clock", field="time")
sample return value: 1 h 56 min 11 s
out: 8 h 22 min 19 s
